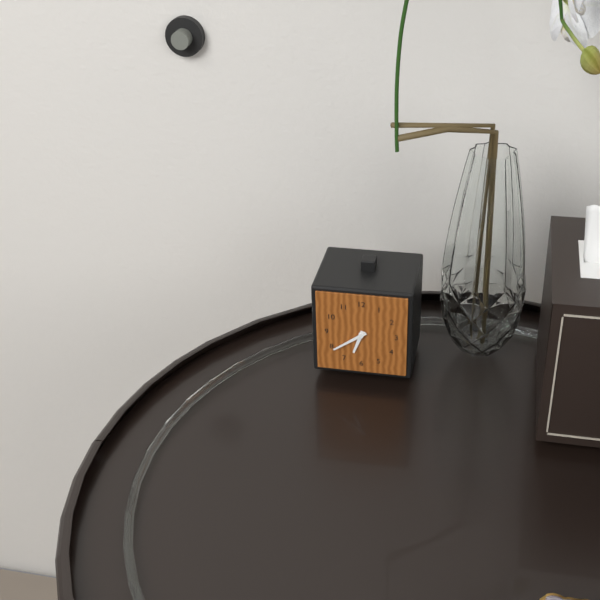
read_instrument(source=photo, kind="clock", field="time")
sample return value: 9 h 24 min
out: 6 h 39 min
